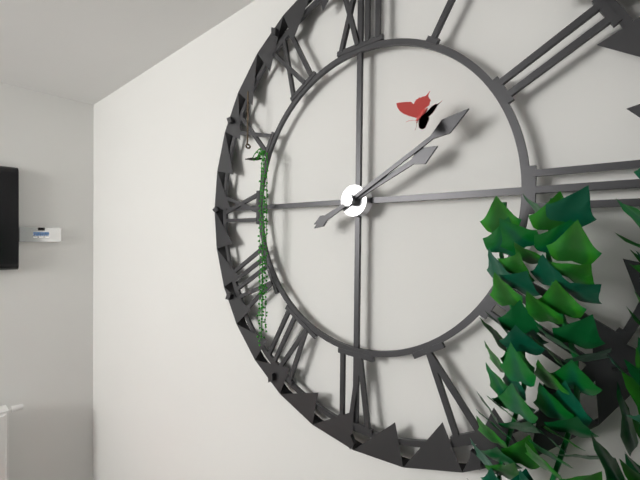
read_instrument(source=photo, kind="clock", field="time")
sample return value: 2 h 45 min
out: 2 h 10 min
